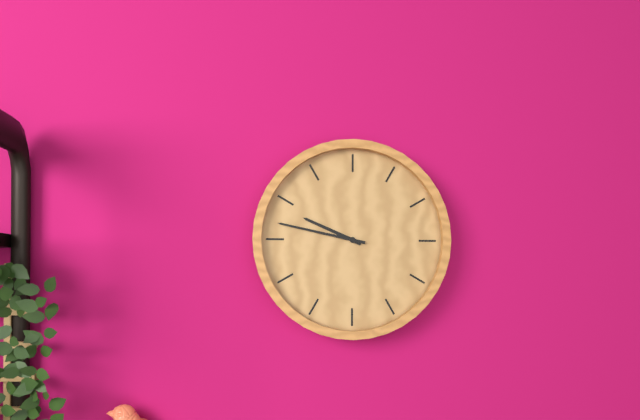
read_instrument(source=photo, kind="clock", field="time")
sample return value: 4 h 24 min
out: 9 h 47 min
